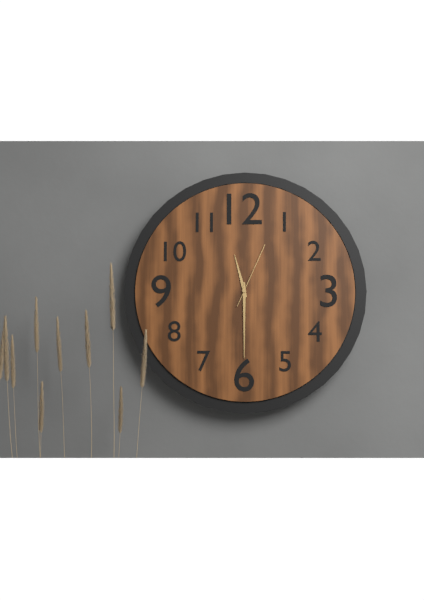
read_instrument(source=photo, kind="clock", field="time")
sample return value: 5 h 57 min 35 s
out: 11 h 30 min 04 s
